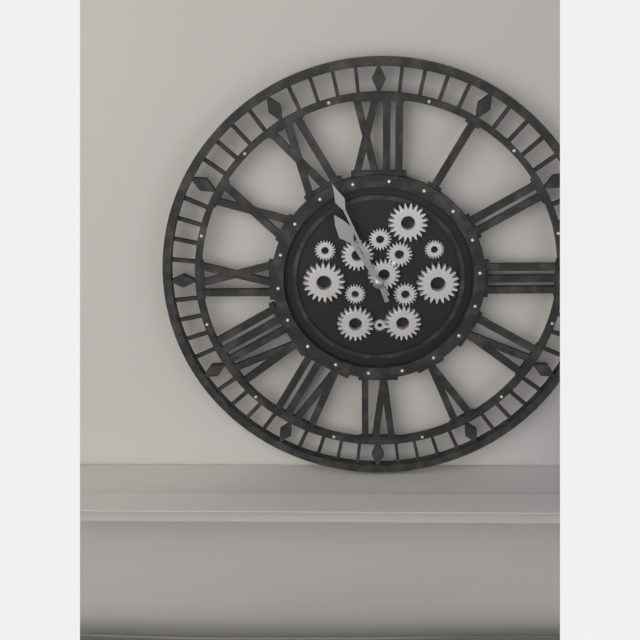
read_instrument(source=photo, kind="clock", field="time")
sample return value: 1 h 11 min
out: 10 h 56 min
